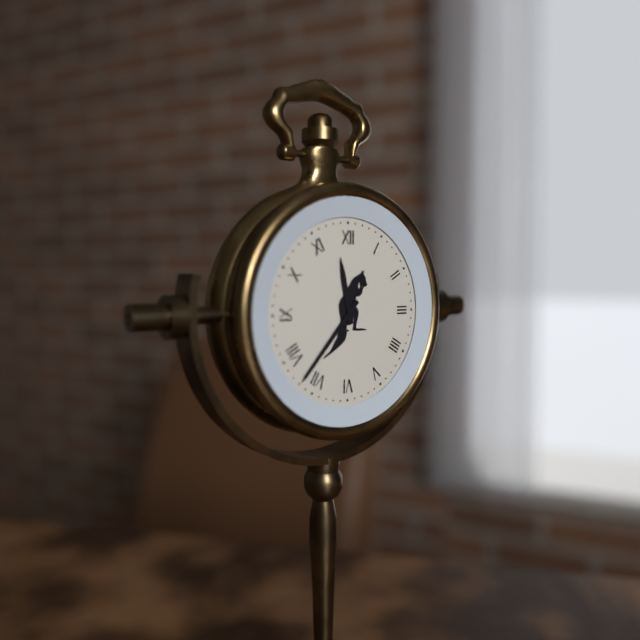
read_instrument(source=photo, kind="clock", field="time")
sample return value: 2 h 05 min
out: 11 h 37 min
